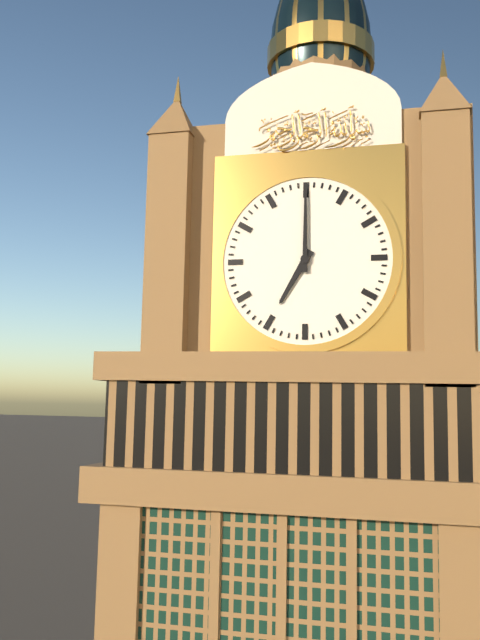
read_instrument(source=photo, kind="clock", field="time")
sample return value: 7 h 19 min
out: 7 h 00 min
